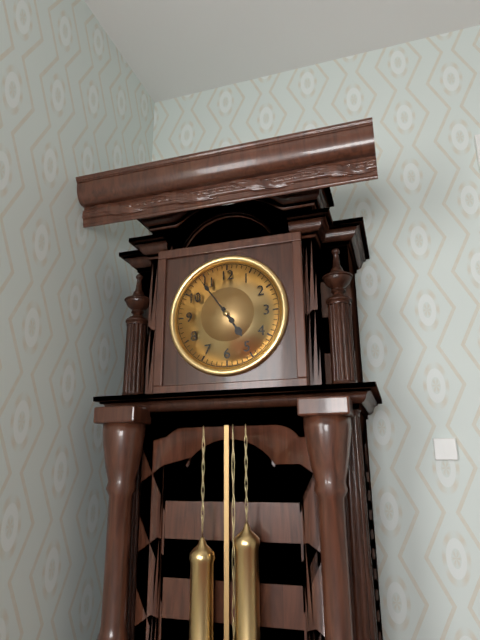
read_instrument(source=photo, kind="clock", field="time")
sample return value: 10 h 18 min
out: 4 h 54 min
